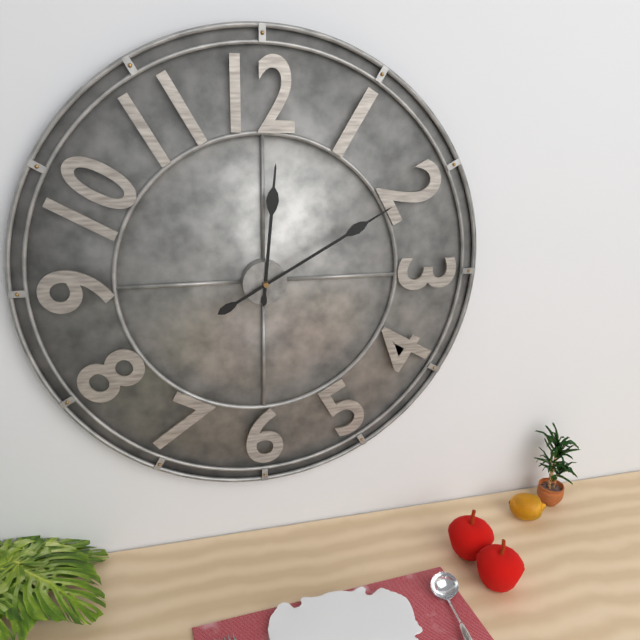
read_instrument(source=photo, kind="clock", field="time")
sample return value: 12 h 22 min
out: 12 h 10 min
